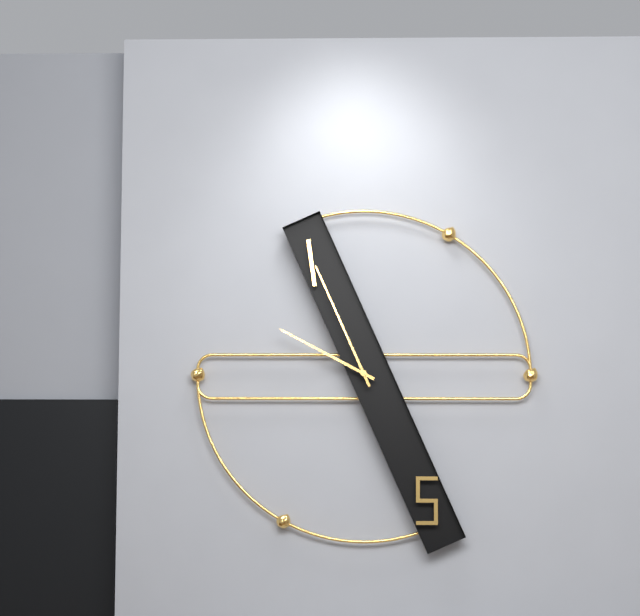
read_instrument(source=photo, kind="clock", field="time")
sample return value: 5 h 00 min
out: 9 h 56 min
